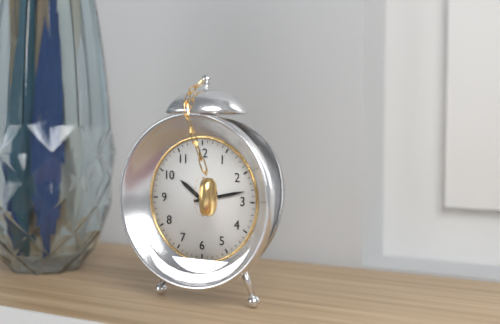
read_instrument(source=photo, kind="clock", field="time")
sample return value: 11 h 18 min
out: 10 h 13 min
